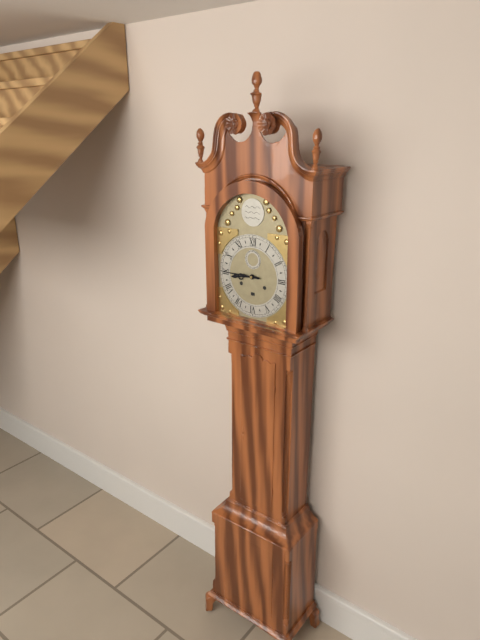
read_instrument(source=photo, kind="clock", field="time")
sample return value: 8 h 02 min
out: 8 h 45 min
